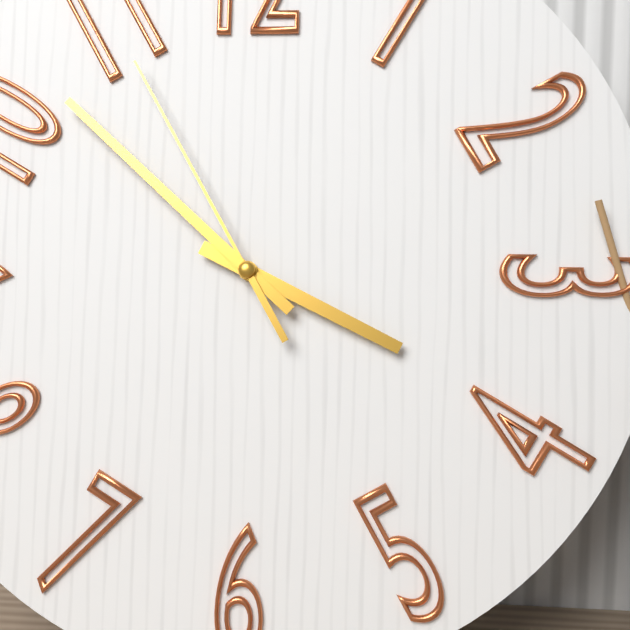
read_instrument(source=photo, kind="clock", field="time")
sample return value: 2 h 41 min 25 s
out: 3 h 52 min 55 s
